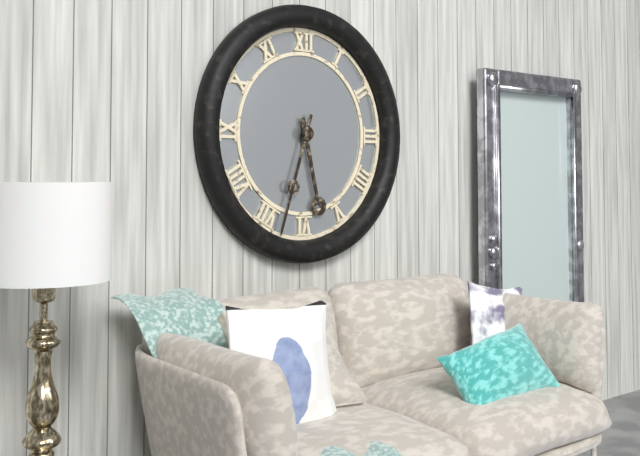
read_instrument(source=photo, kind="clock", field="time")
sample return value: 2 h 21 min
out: 5 h 33 min
